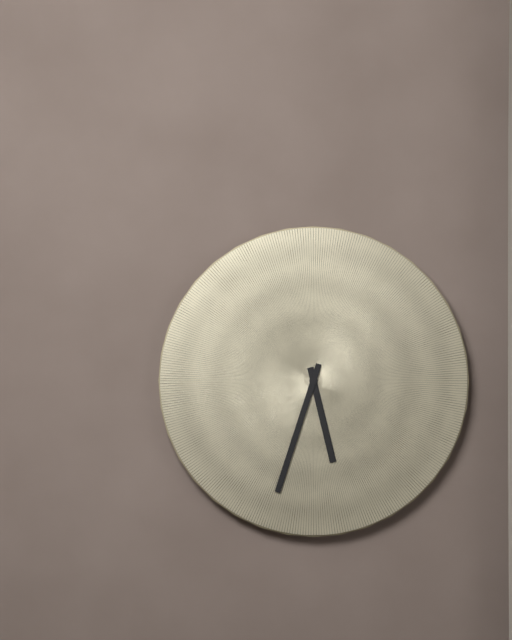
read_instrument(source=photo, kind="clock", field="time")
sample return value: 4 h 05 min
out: 5 h 33 min
